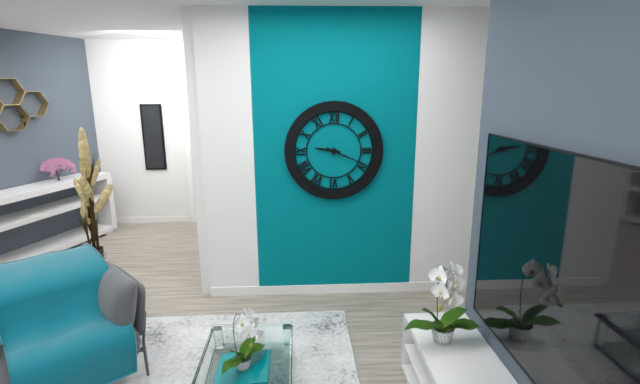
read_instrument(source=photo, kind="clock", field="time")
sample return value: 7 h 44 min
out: 9 h 19 min
